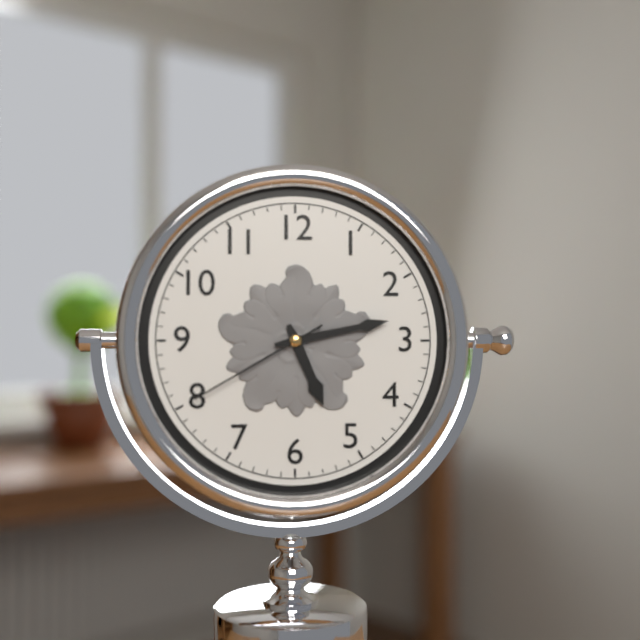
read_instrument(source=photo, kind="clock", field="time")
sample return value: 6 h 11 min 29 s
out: 5 h 13 min 40 s
